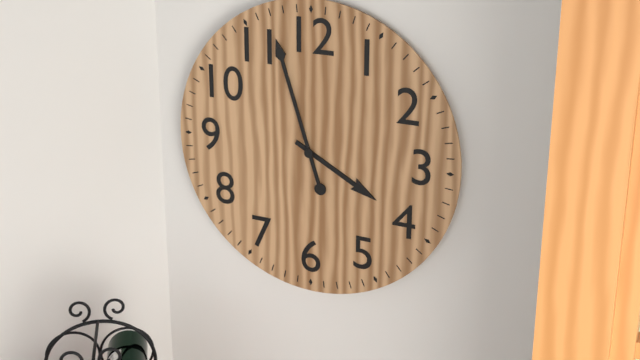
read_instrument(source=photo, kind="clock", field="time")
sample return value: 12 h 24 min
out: 3 h 57 min
